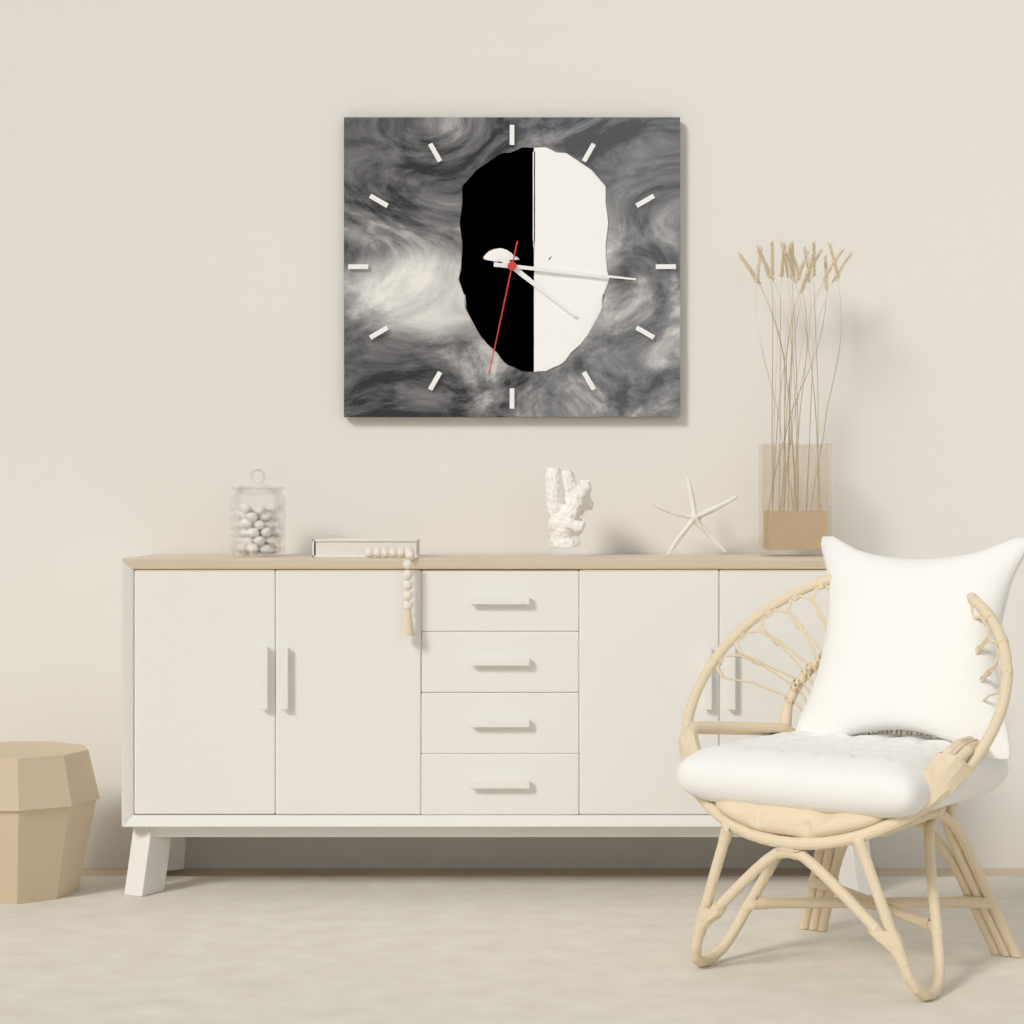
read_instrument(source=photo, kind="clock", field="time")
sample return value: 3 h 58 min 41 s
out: 4 h 16 min 32 s
